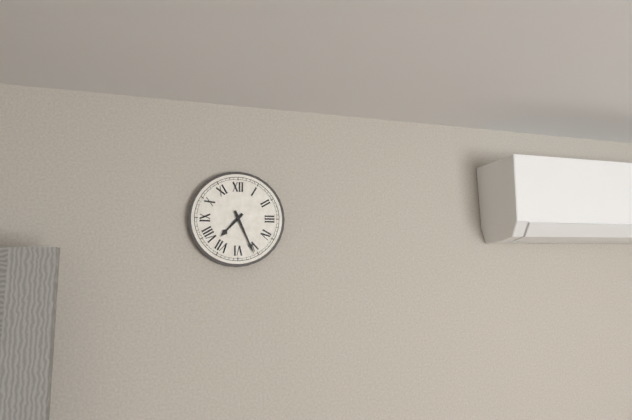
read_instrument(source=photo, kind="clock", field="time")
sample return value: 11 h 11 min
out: 7 h 26 min
